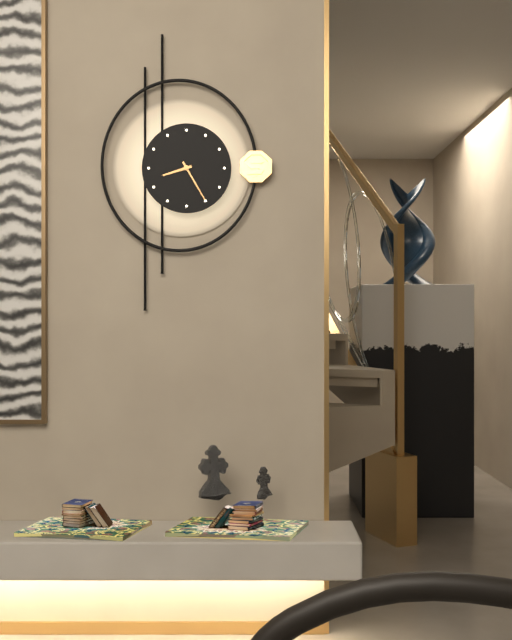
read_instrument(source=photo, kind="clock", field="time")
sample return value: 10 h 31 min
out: 8 h 25 min
